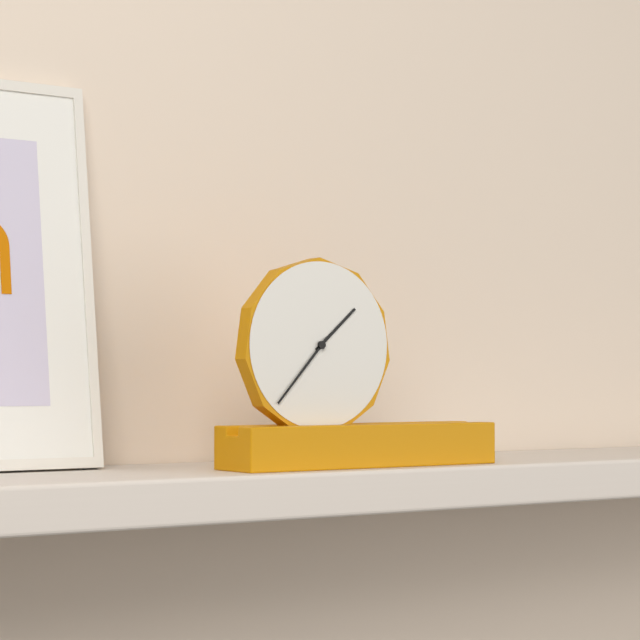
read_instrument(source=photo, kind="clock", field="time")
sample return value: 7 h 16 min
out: 1 h 37 min
